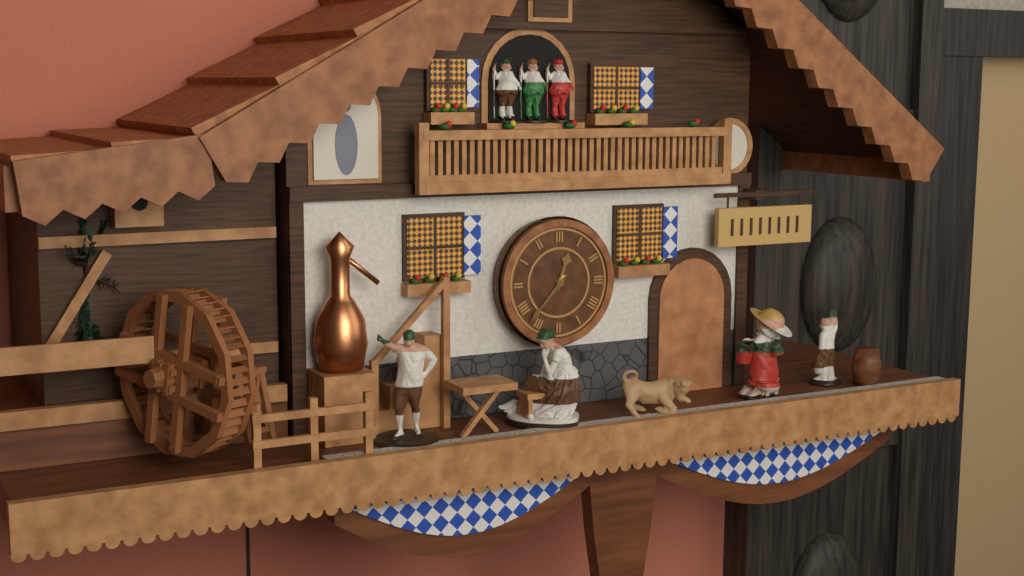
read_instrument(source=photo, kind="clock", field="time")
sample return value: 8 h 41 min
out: 12 h 37 min
